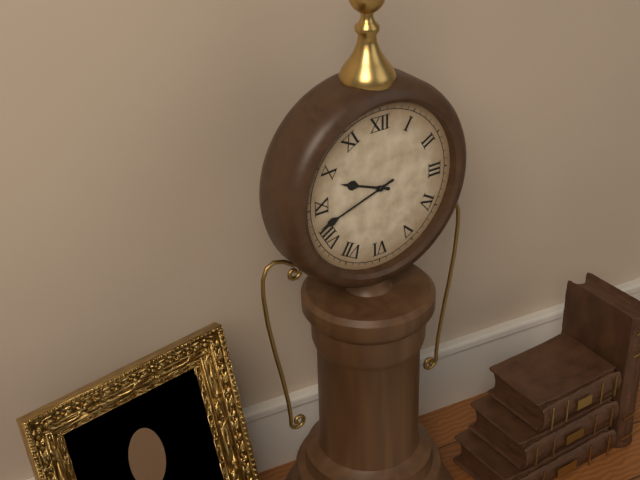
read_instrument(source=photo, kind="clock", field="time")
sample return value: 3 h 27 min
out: 9 h 42 min
